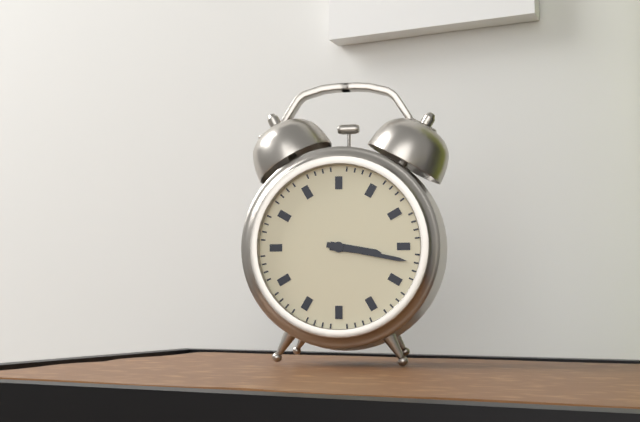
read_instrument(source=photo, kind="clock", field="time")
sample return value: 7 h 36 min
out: 3 h 17 min
